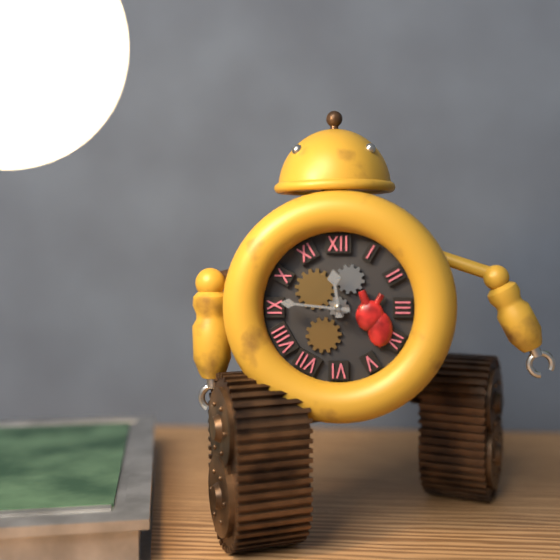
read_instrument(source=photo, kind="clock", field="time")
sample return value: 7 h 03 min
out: 11 h 46 min
